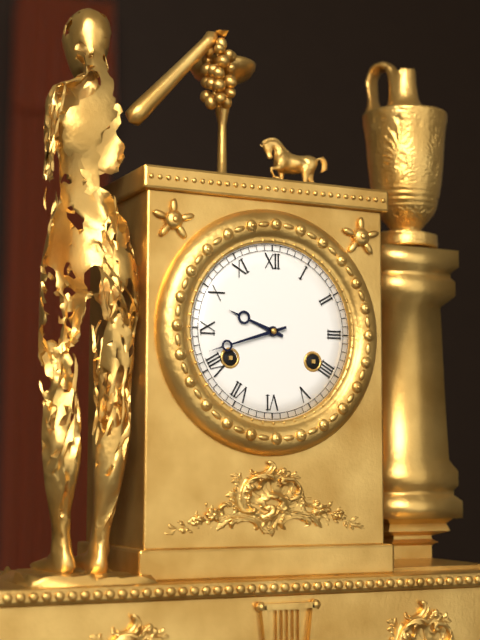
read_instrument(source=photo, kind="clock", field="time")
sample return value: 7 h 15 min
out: 9 h 42 min
